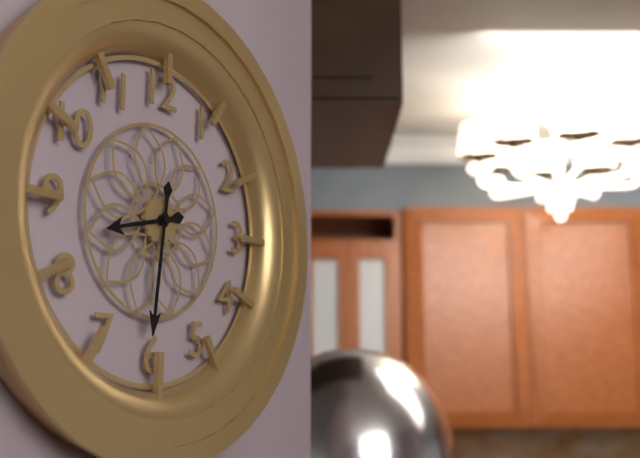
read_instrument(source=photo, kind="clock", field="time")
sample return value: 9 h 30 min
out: 8 h 31 min
